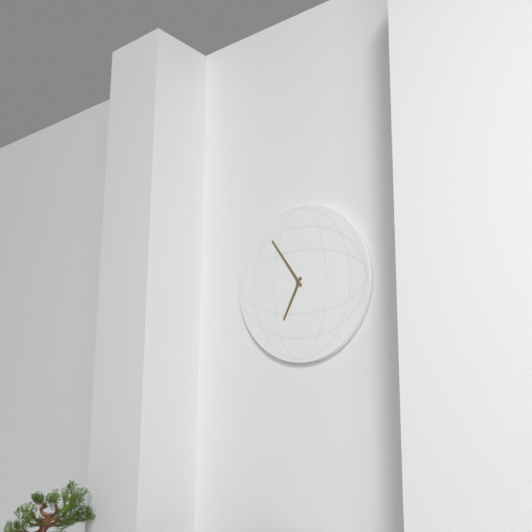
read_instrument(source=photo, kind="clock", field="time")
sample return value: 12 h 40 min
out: 6 h 54 min
